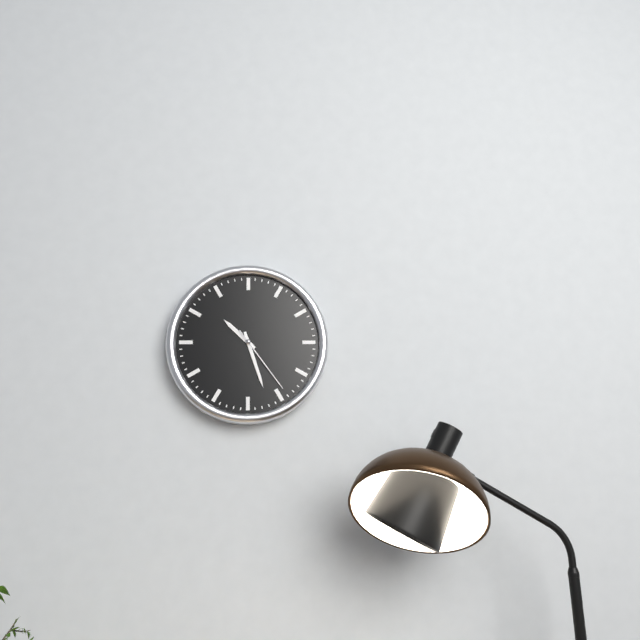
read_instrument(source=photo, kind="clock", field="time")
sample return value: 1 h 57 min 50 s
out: 10 h 27 min 24 s
